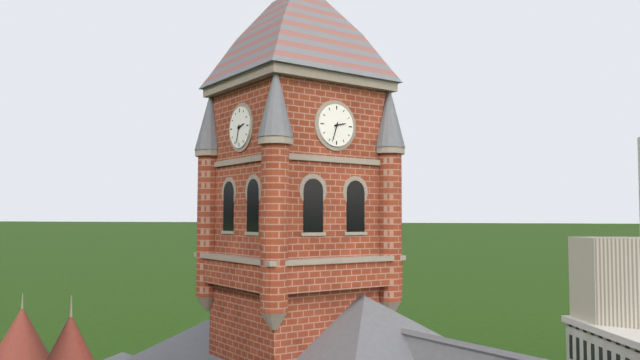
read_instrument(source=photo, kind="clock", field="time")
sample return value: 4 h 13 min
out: 2 h 33 min
